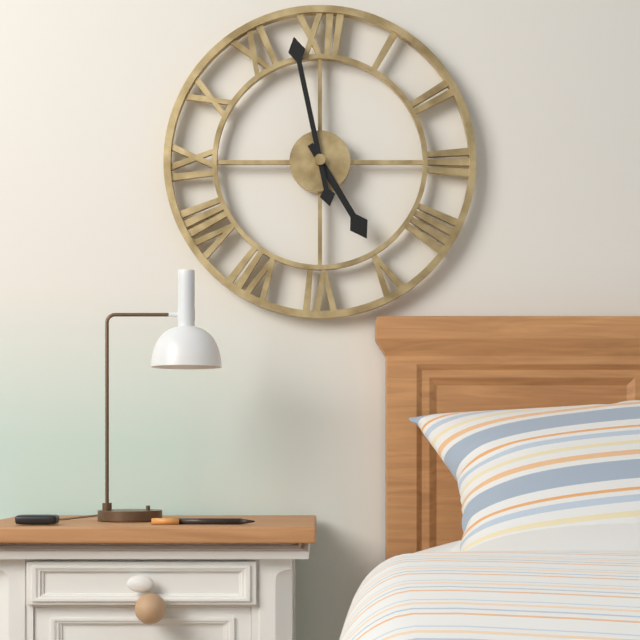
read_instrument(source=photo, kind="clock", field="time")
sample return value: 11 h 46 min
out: 4 h 58 min
